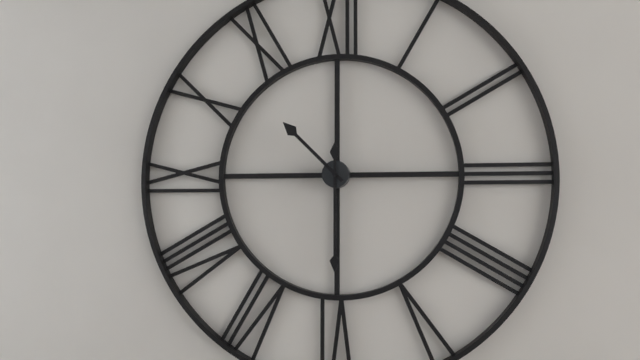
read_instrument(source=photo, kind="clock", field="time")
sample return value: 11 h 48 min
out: 10 h 30 min
